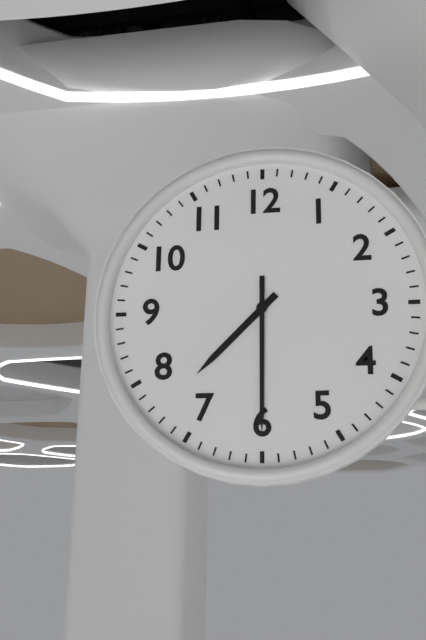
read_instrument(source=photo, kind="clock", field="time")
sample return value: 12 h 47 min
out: 7 h 30 min
